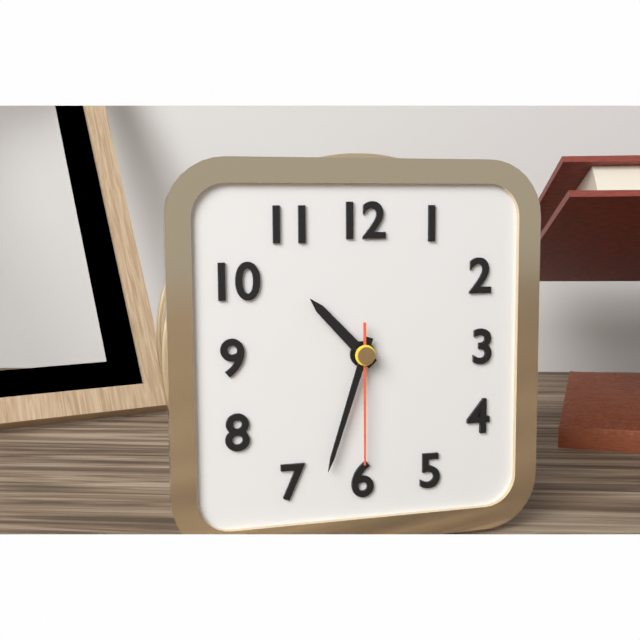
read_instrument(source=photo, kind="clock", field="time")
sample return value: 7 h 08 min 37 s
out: 10 h 33 min 30 s
